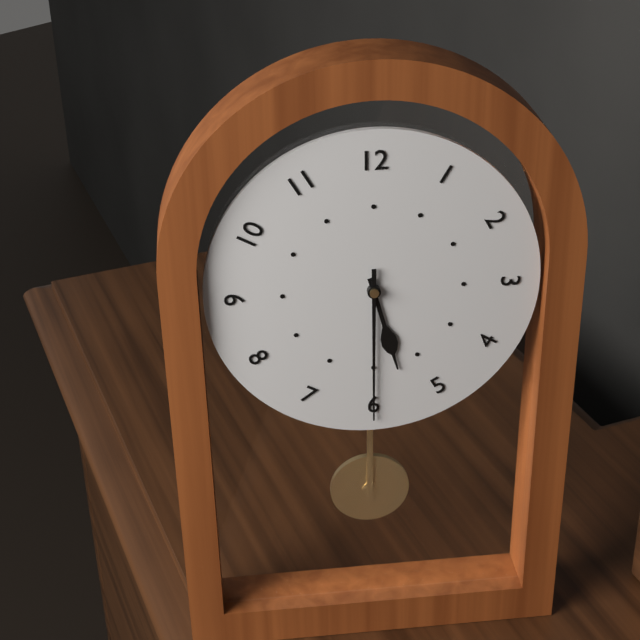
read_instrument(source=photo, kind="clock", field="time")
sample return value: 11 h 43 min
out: 5 h 30 min
